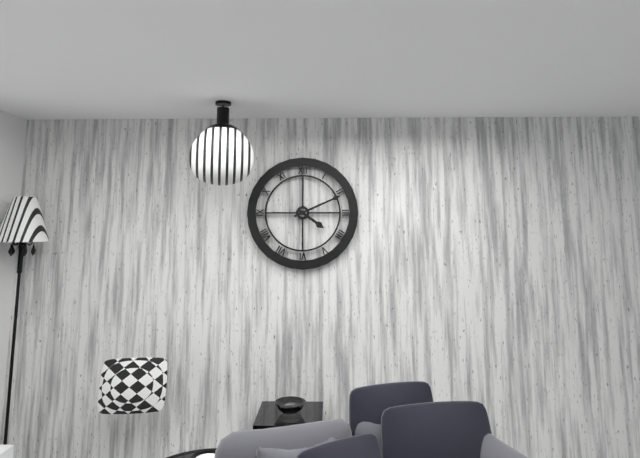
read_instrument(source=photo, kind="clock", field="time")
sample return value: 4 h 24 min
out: 4 h 11 min
